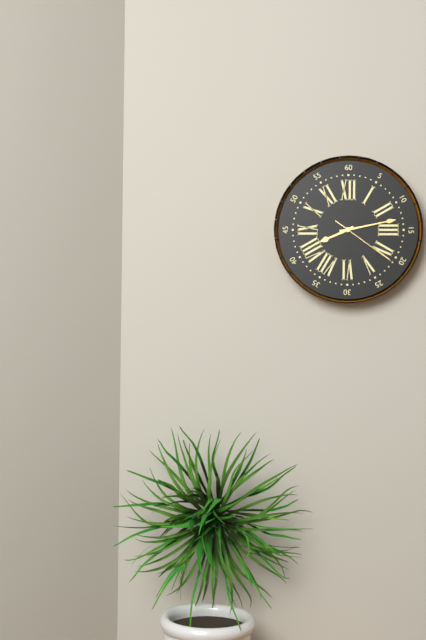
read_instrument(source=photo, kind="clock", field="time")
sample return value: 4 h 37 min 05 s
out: 8 h 13 min 21 s
